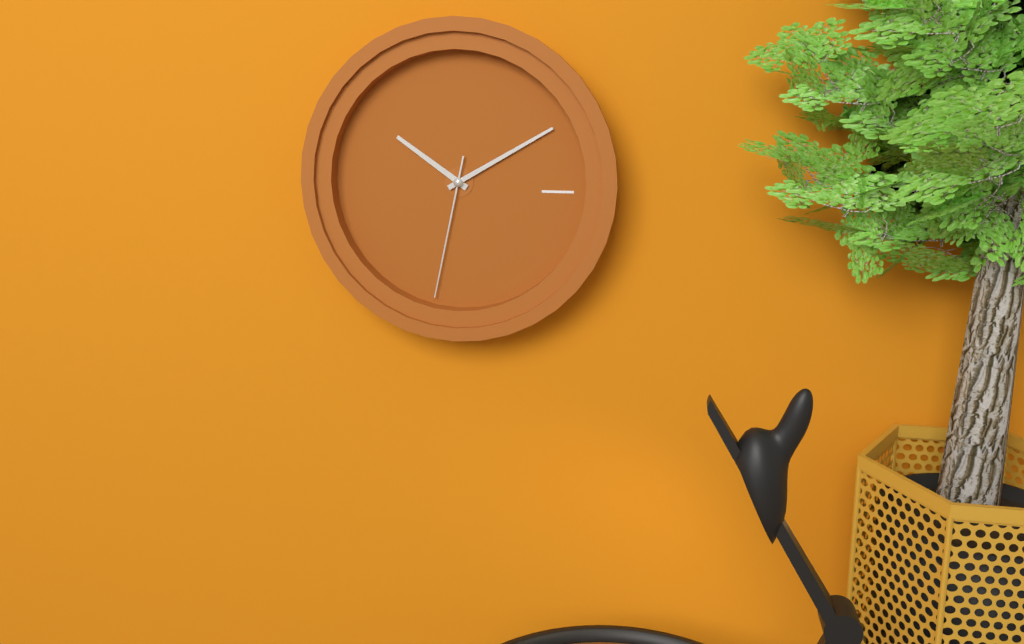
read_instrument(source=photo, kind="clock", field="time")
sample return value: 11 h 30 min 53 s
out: 10 h 10 min 32 s
